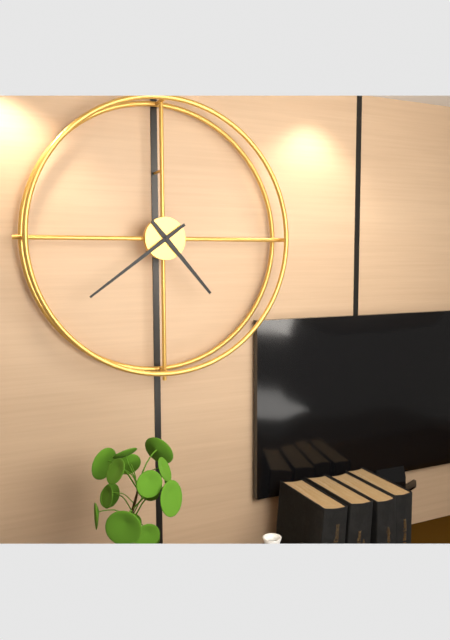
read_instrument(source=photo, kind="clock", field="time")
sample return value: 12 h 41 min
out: 4 h 39 min
